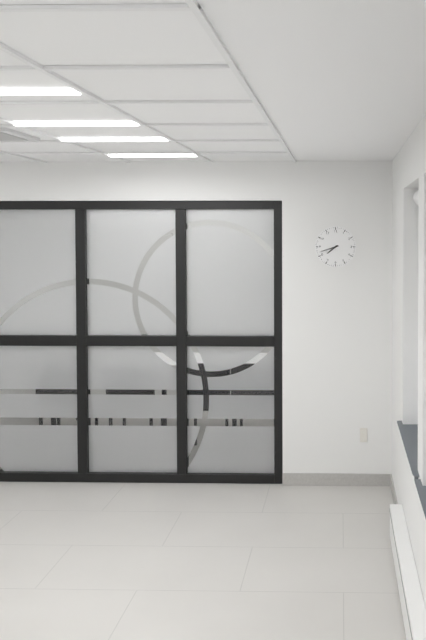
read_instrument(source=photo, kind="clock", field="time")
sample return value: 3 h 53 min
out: 7 h 42 min
